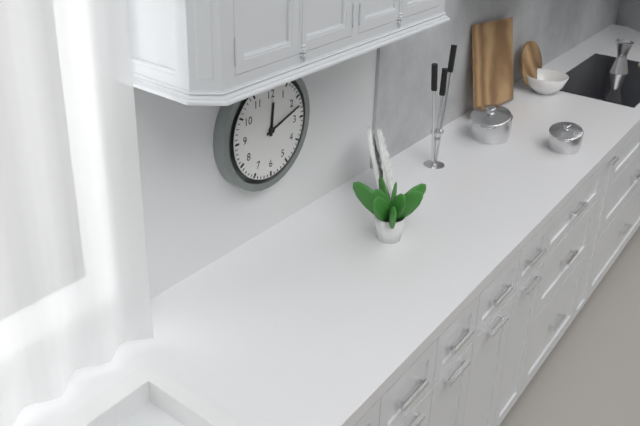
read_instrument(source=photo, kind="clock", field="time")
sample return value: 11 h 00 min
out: 12 h 12 min
